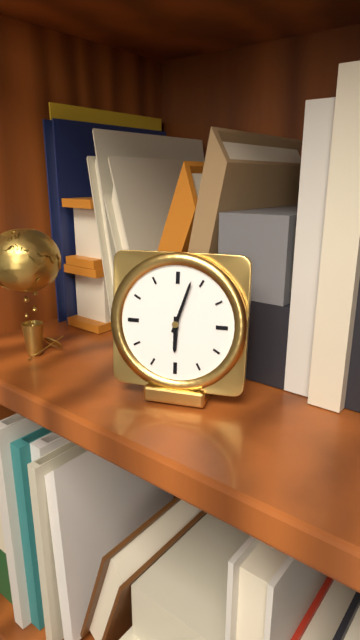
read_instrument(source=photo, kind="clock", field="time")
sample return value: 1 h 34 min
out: 6 h 03 min
